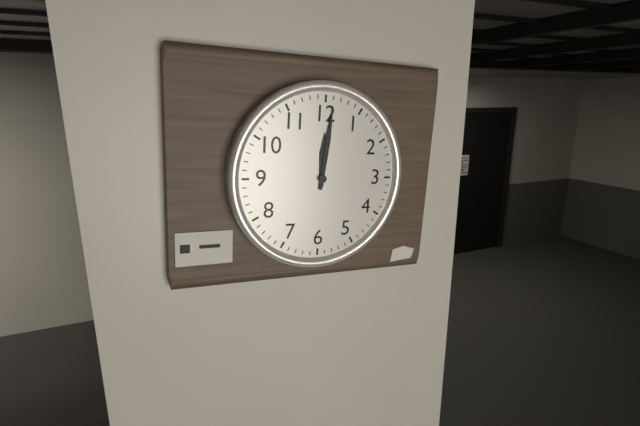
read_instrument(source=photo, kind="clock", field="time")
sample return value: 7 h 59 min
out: 12 h 01 min
